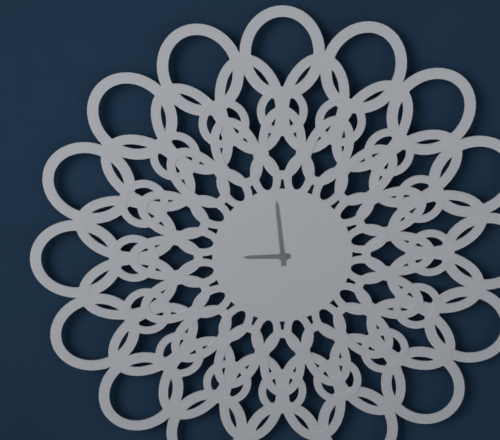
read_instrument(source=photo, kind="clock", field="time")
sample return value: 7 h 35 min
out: 8 h 59 min
